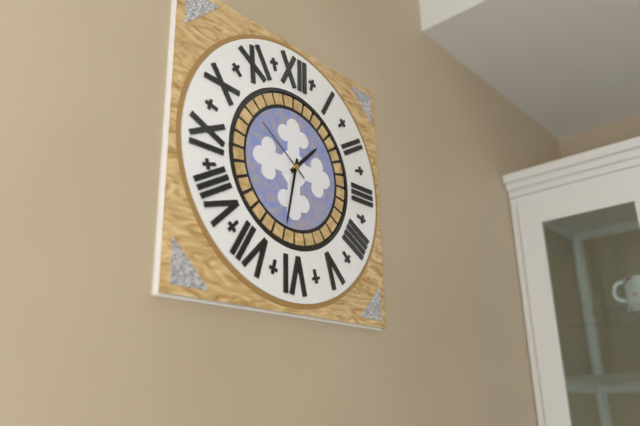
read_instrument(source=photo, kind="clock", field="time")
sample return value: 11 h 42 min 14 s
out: 1 h 32 min 51 s
